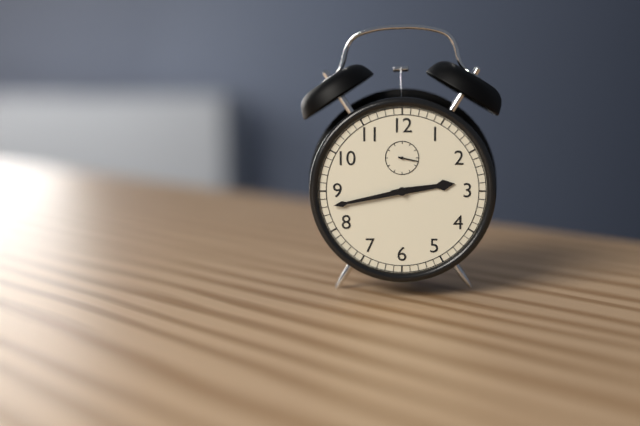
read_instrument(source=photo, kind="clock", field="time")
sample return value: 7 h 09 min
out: 2 h 43 min
